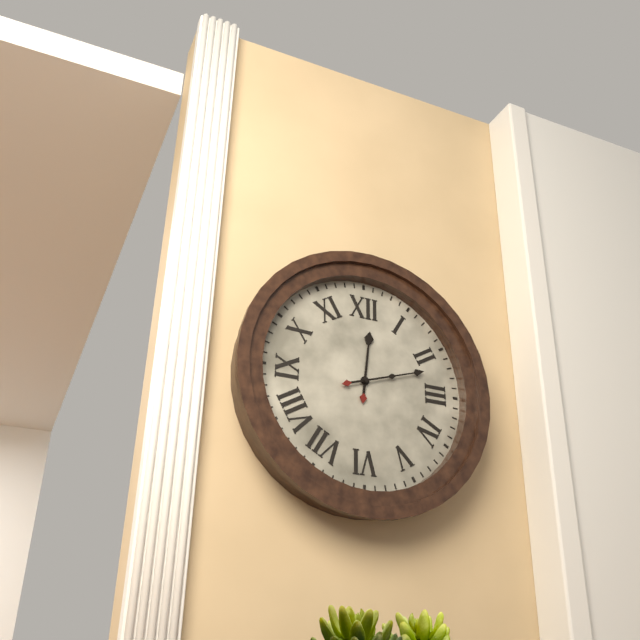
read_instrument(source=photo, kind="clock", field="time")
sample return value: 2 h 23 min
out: 12 h 12 min
